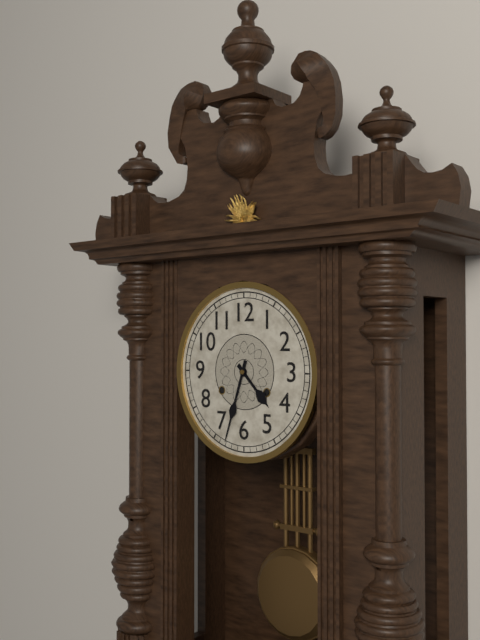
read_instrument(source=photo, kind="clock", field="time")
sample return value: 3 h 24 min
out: 4 h 33 min
